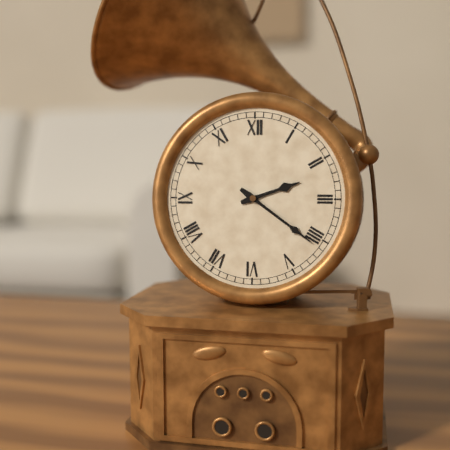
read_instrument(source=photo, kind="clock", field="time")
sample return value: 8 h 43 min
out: 2 h 21 min
